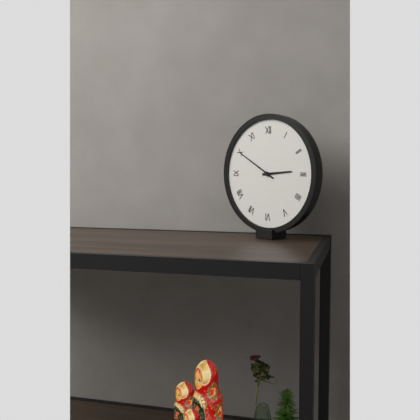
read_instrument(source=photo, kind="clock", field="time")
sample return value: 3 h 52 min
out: 2 h 50 min
